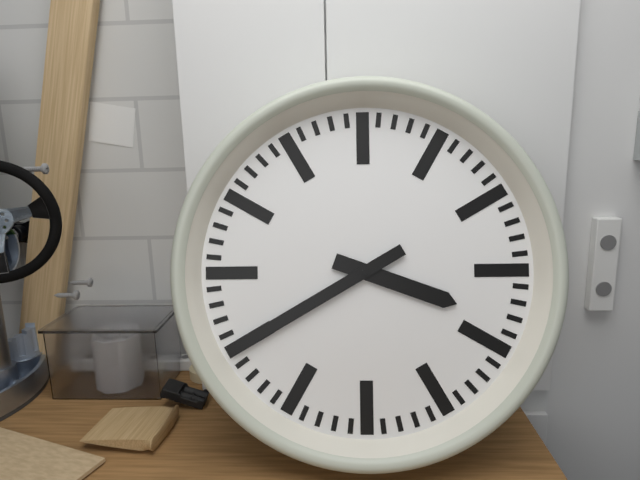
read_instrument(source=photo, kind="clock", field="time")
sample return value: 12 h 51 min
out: 3 h 40 min
